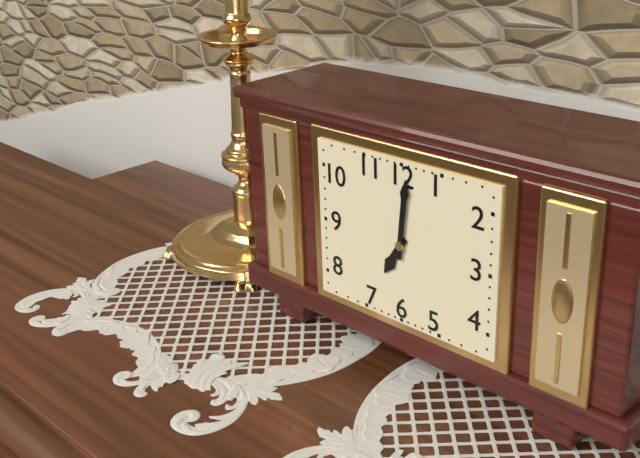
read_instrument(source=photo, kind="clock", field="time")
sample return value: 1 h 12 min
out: 7 h 01 min
